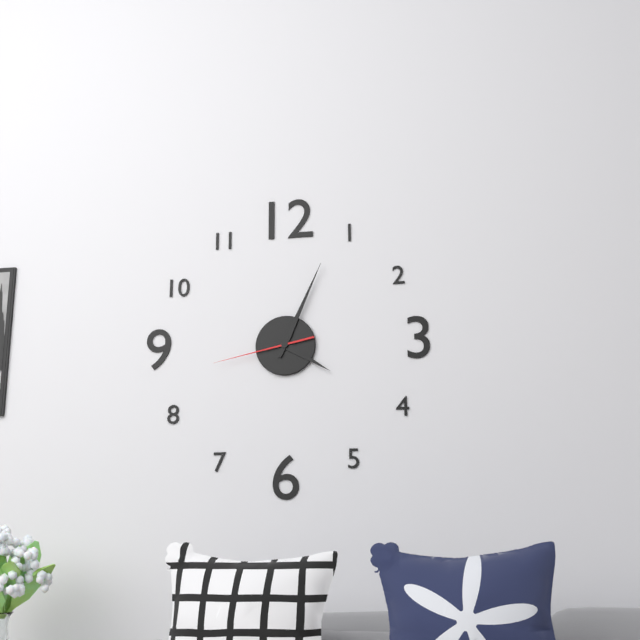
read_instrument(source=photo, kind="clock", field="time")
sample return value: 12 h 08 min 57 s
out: 4 h 04 min 43 s
